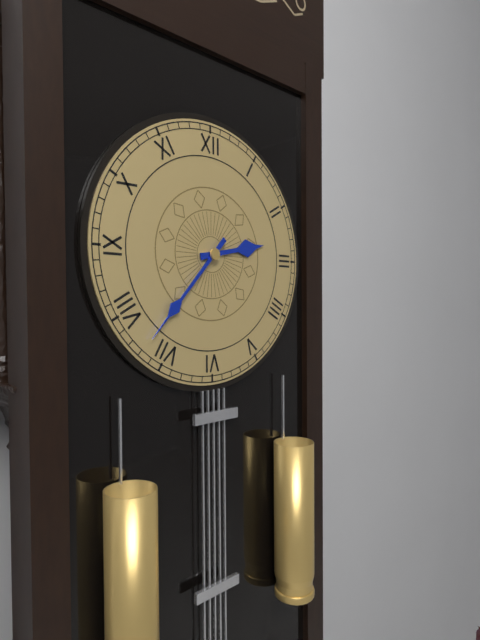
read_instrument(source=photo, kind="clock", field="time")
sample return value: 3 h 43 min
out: 2 h 37 min
